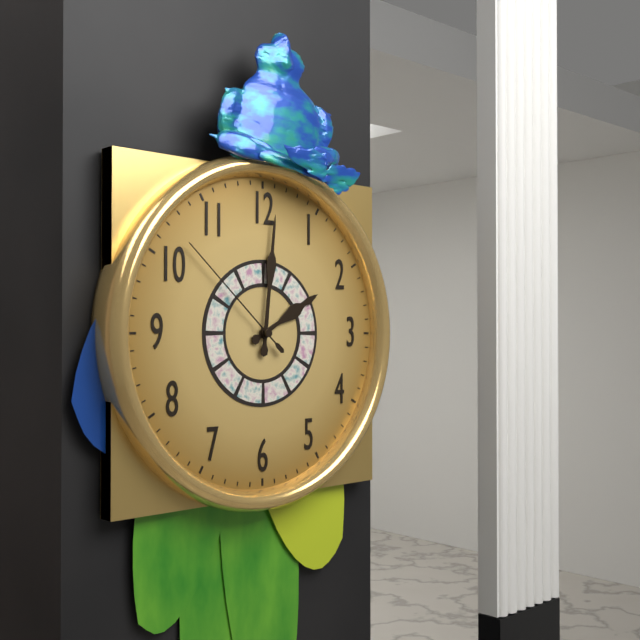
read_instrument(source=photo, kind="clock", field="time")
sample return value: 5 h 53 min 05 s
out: 2 h 01 min 52 s
